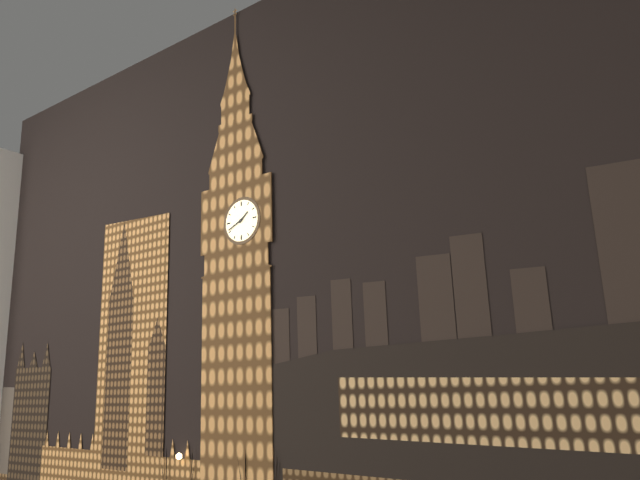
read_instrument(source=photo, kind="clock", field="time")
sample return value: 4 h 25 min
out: 1 h 41 min
